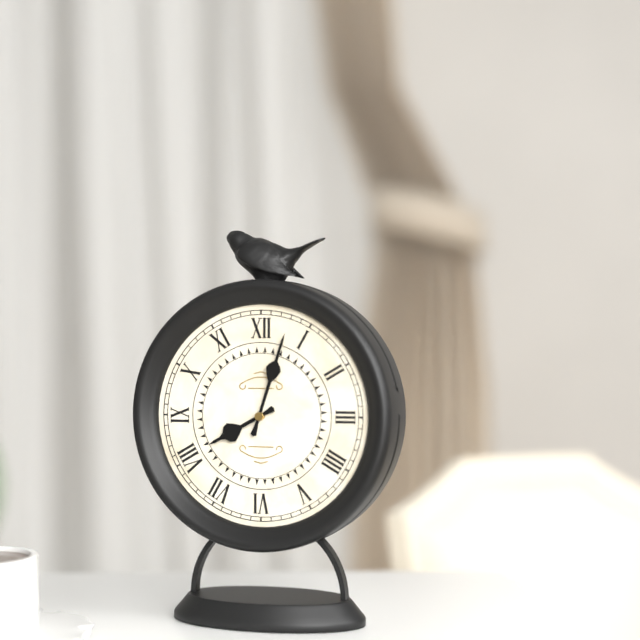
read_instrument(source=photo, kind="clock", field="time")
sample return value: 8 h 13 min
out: 8 h 03 min
